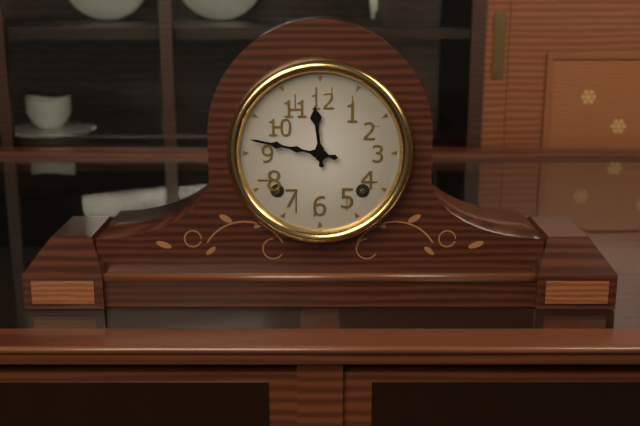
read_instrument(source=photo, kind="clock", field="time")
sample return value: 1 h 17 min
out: 11 h 47 min
